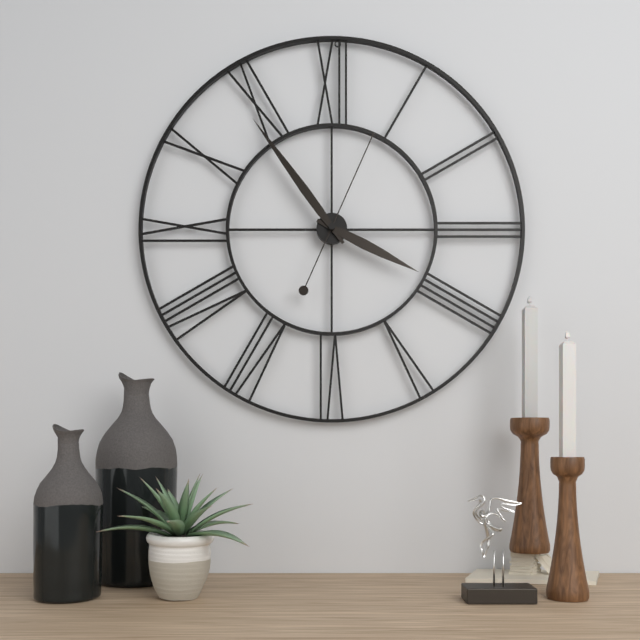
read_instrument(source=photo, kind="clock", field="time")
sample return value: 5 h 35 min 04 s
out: 3 h 54 min 04 s
